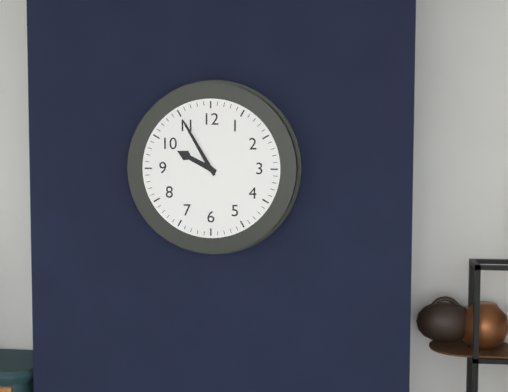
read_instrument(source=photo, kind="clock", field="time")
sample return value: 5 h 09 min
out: 9 h 55 min
